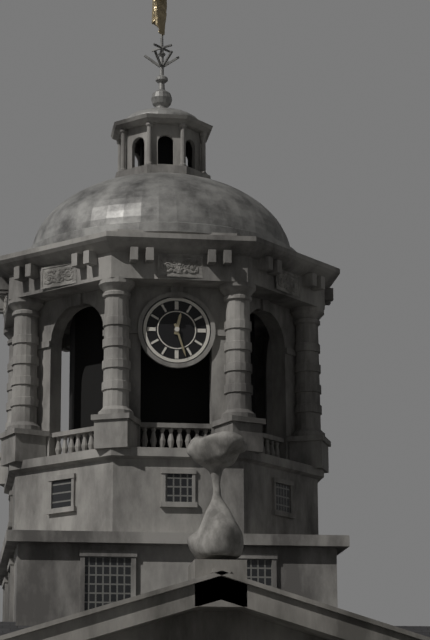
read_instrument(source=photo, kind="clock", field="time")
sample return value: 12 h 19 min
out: 12 h 27 min
